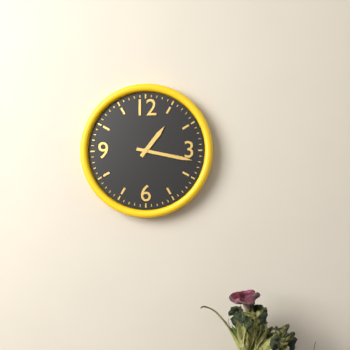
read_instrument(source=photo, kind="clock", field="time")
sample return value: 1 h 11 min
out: 1 h 17 min
